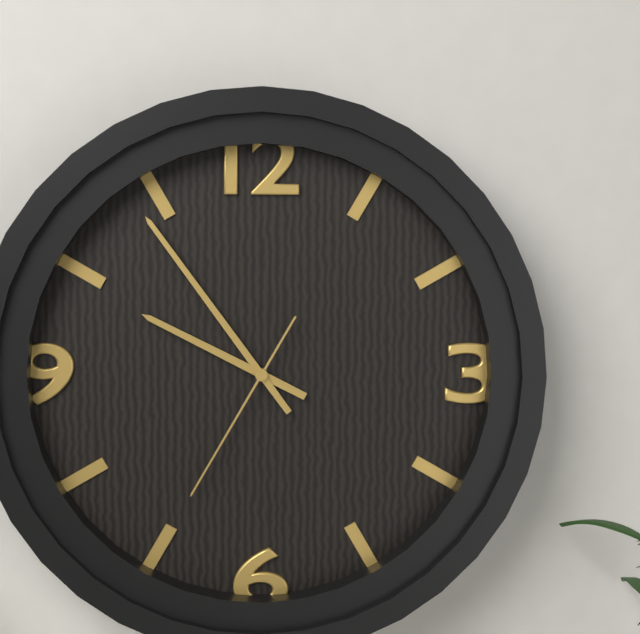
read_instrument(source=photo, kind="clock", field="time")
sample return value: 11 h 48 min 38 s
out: 9 h 54 min 35 s
